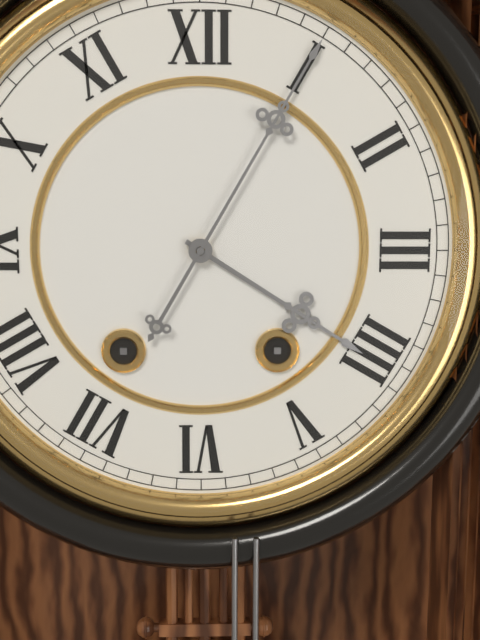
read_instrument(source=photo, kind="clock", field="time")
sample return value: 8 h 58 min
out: 4 h 05 min
